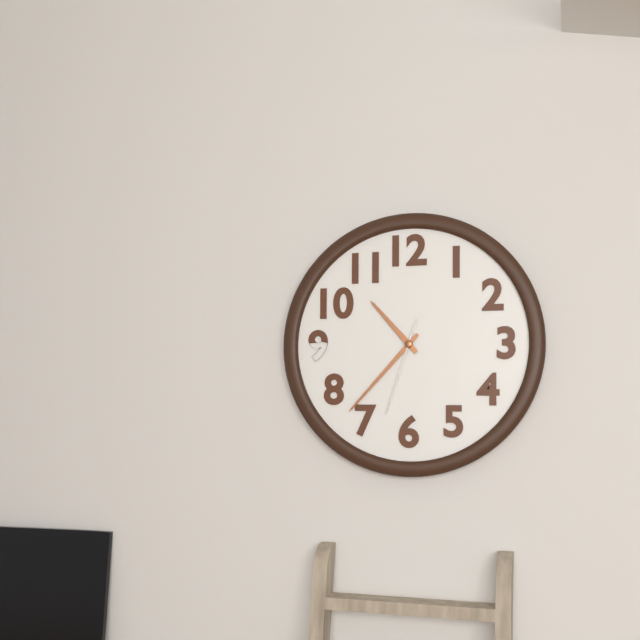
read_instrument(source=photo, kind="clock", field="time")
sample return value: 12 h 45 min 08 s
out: 10 h 37 min 33 s
